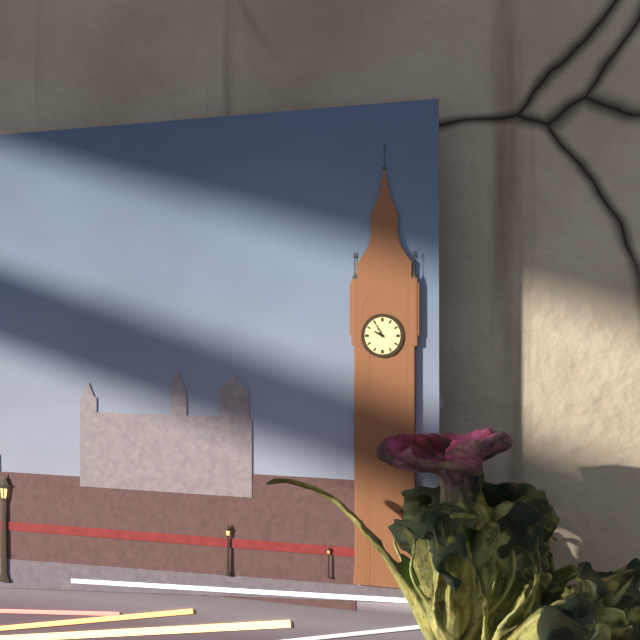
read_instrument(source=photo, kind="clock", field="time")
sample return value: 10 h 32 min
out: 9 h 55 min
